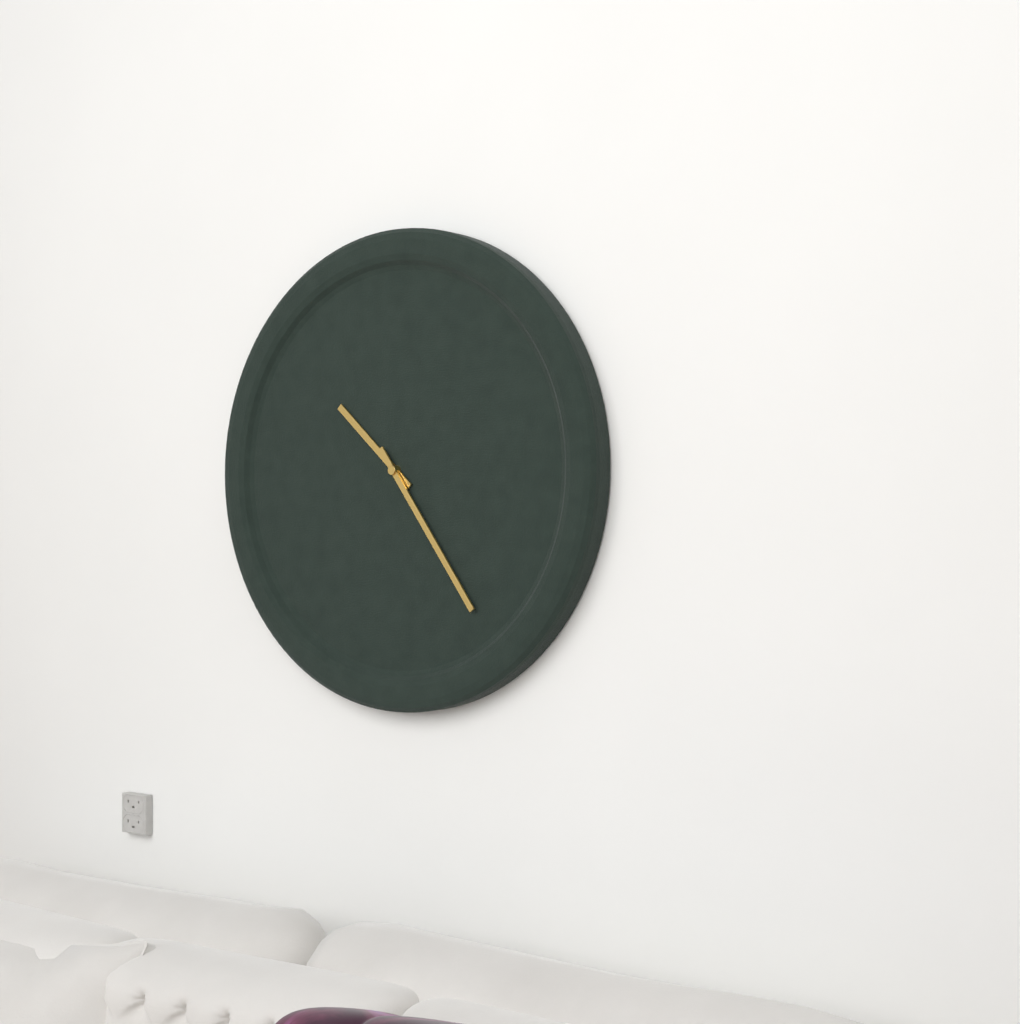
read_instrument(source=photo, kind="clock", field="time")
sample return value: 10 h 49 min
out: 10 h 24 min
